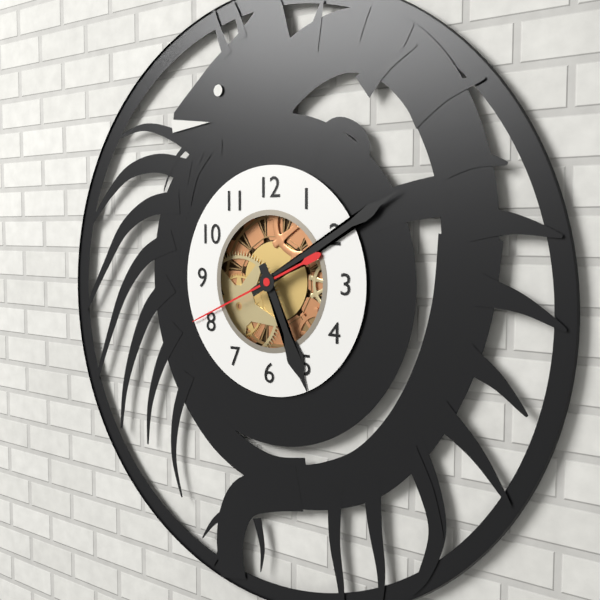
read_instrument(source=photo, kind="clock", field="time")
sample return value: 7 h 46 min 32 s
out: 5 h 10 min 41 s
